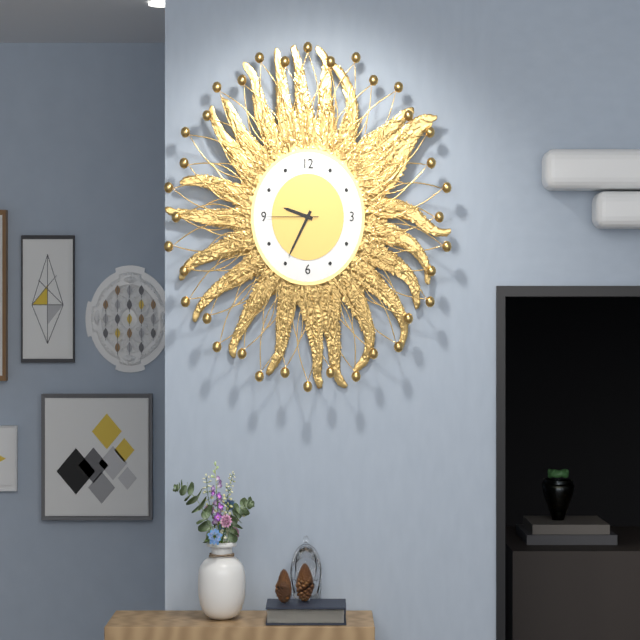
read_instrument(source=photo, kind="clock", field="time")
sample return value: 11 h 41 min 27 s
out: 9 h 35 min 45 s
